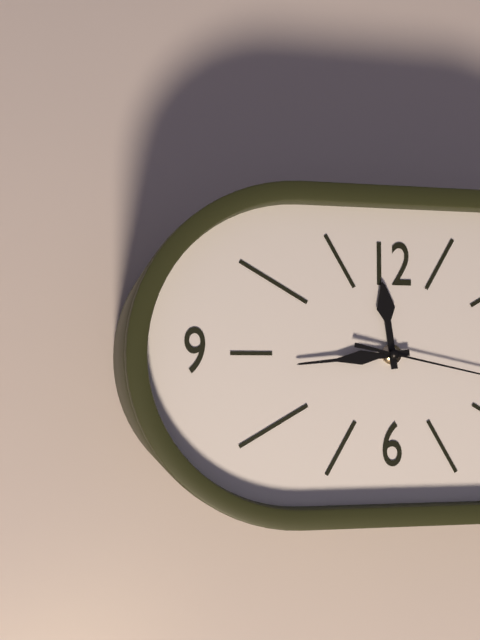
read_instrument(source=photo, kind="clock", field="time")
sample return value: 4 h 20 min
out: 11 h 44 min
